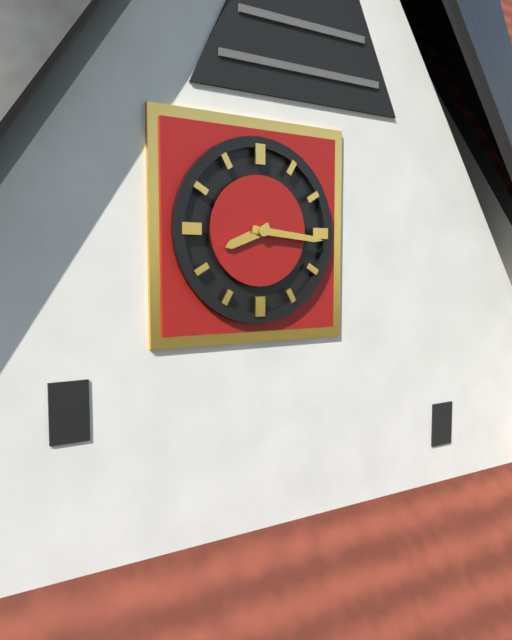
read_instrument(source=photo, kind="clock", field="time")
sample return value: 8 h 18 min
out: 8 h 16 min
